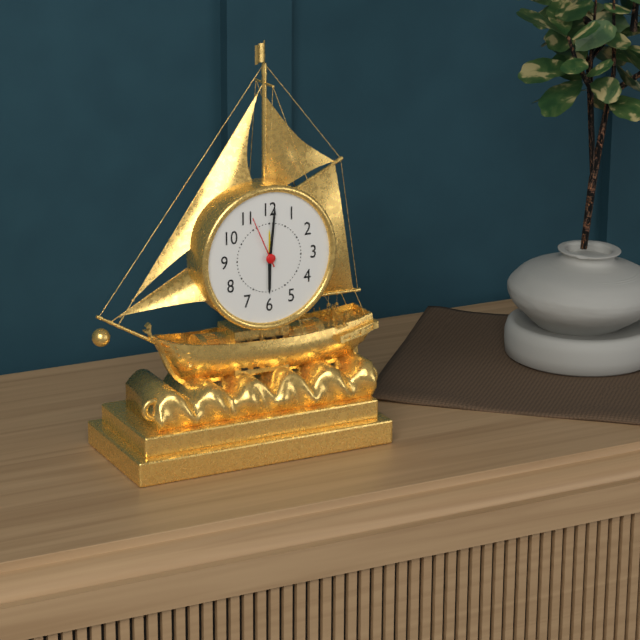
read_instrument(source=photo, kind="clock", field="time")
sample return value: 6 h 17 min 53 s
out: 6 h 01 min 56 s
